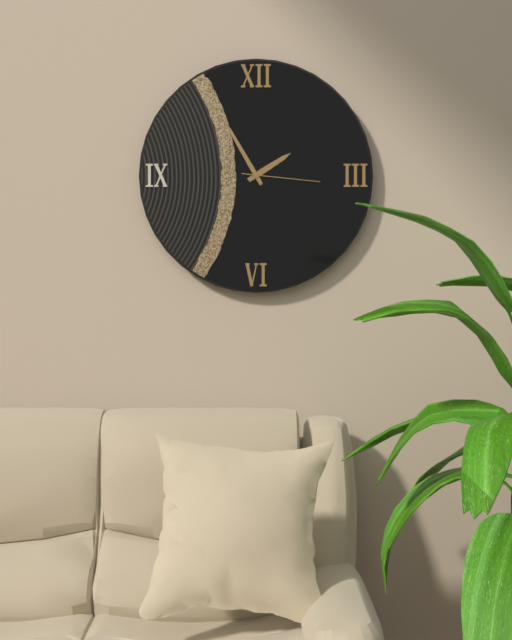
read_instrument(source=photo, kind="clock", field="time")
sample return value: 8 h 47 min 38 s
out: 1 h 55 min 16 s
